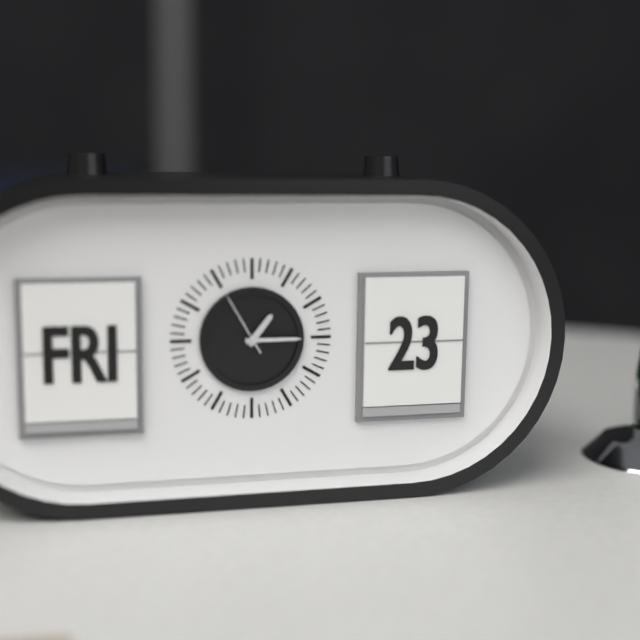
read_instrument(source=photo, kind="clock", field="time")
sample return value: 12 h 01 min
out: 1 h 15 min
